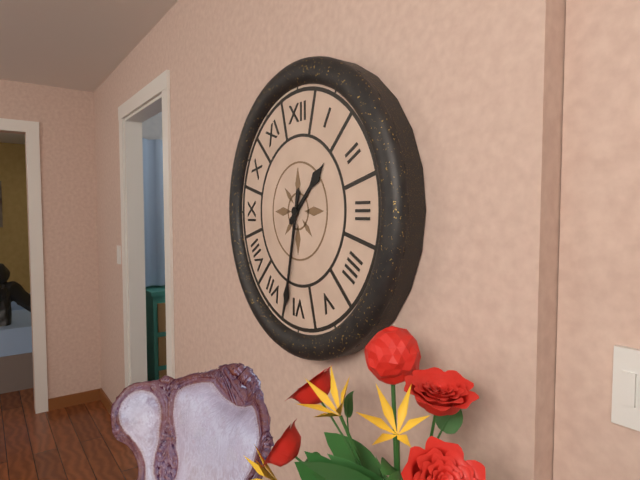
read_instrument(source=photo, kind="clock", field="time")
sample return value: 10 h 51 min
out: 1 h 32 min
